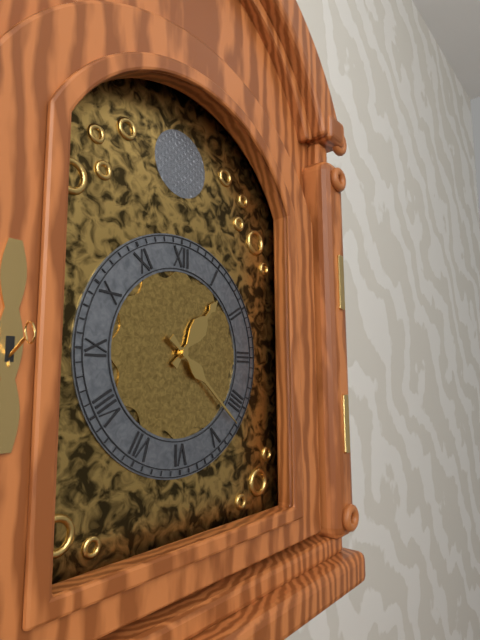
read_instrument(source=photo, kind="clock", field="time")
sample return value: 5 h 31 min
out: 1 h 22 min
